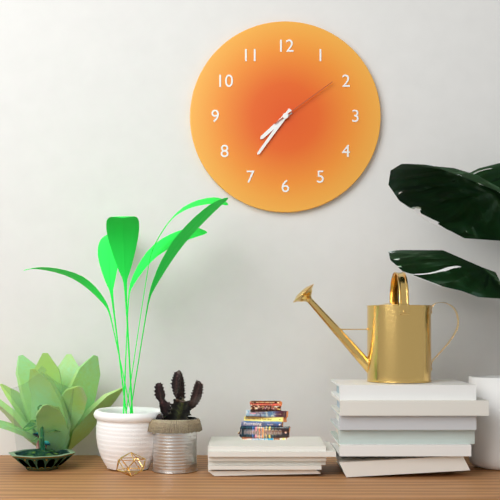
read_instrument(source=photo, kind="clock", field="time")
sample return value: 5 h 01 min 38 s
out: 7 h 36 min 09 s
